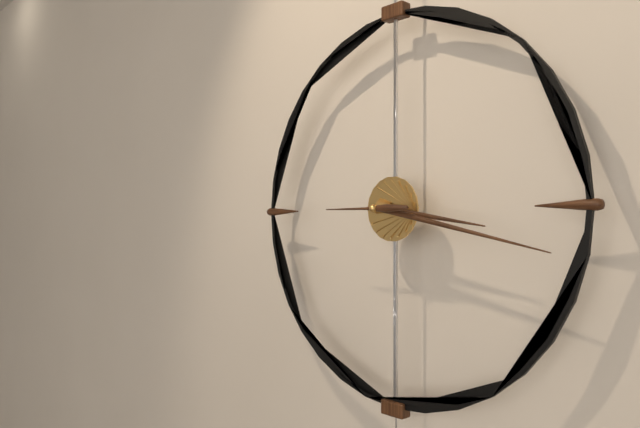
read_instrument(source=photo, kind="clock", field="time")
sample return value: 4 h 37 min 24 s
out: 3 h 17 min 45 s
